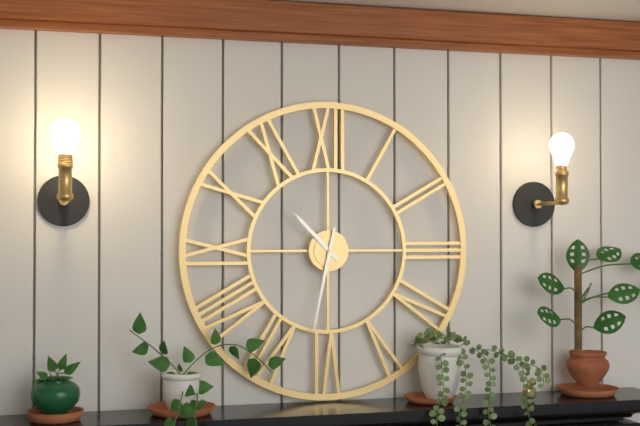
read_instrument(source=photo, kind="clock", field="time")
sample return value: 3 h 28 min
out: 10 h 32 min
